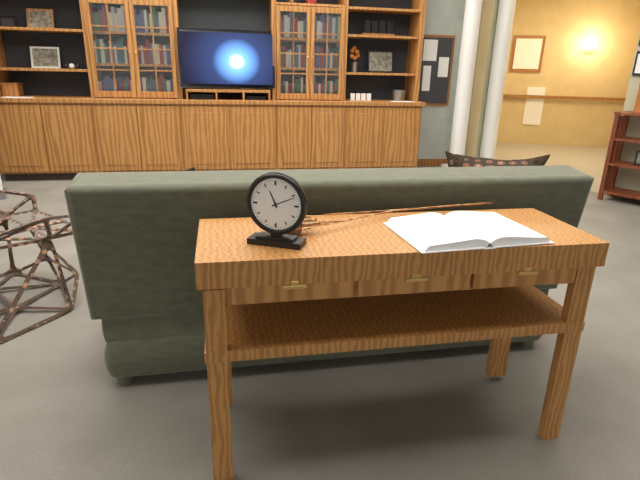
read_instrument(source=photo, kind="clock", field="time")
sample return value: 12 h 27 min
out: 11 h 11 min
